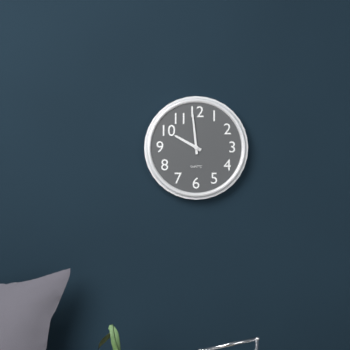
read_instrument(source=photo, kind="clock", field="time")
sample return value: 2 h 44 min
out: 9 h 59 min
